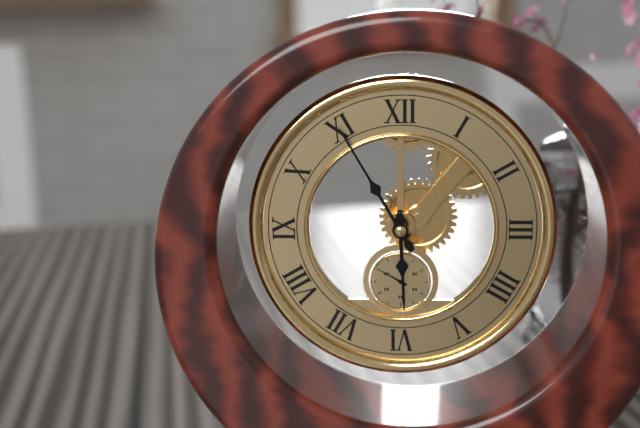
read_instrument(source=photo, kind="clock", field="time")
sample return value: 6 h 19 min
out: 5 h 55 min
